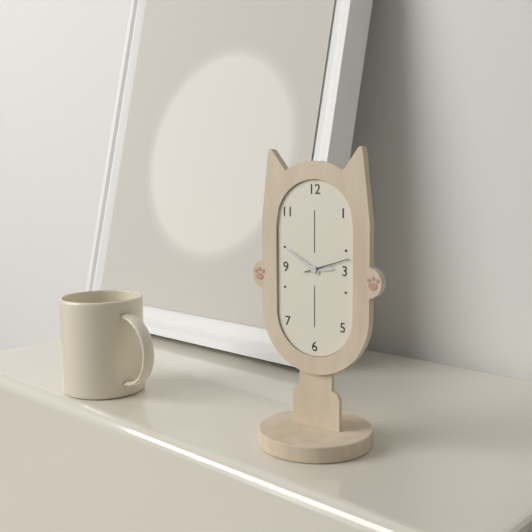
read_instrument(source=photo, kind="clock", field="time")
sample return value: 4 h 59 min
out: 2 h 50 min
